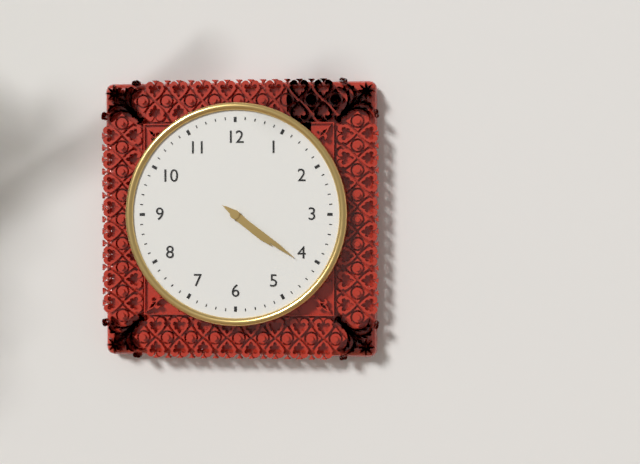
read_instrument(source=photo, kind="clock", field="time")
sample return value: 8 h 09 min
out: 4 h 21 min
